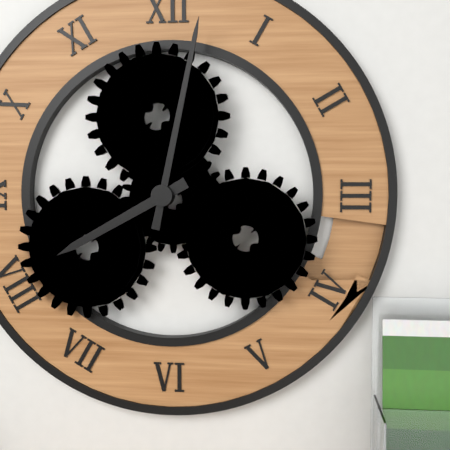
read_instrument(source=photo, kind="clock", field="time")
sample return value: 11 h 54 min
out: 8 h 02 min
